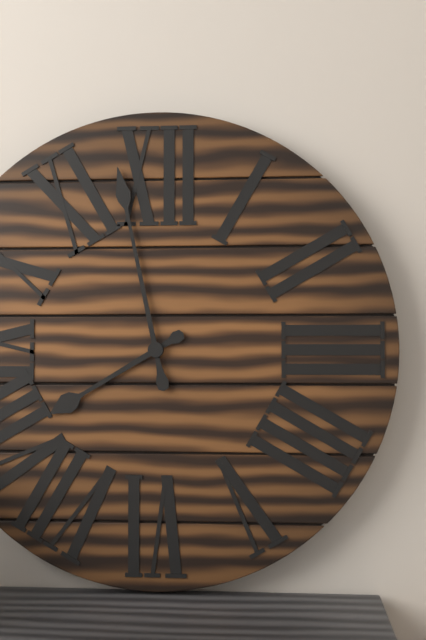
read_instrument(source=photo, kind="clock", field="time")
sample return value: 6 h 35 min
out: 7 h 58 min
